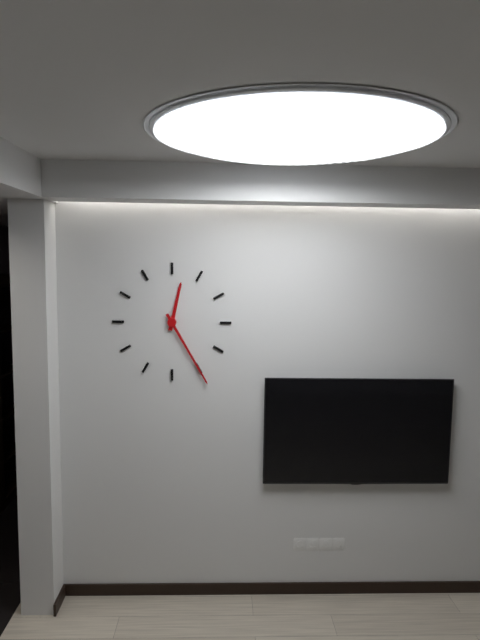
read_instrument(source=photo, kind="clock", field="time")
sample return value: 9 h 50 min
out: 12 h 25 min
